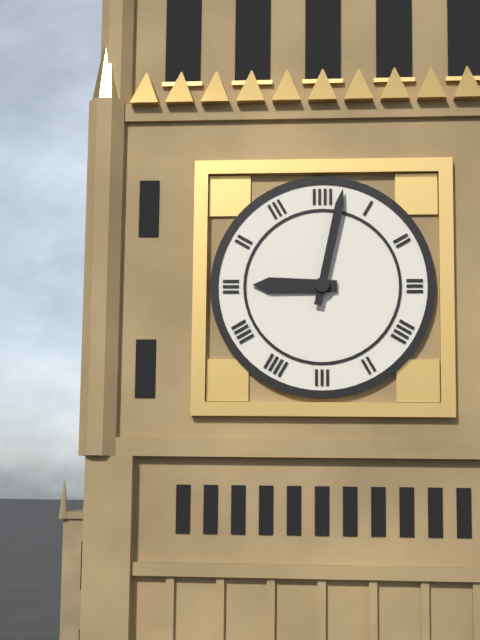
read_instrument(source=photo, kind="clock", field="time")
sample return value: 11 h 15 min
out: 9 h 02 min
